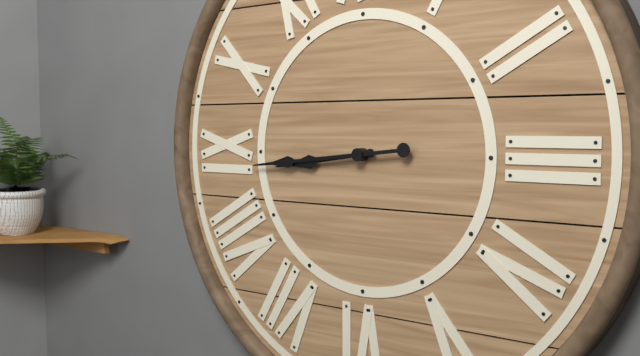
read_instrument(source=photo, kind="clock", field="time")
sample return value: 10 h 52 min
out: 8 h 44 min
